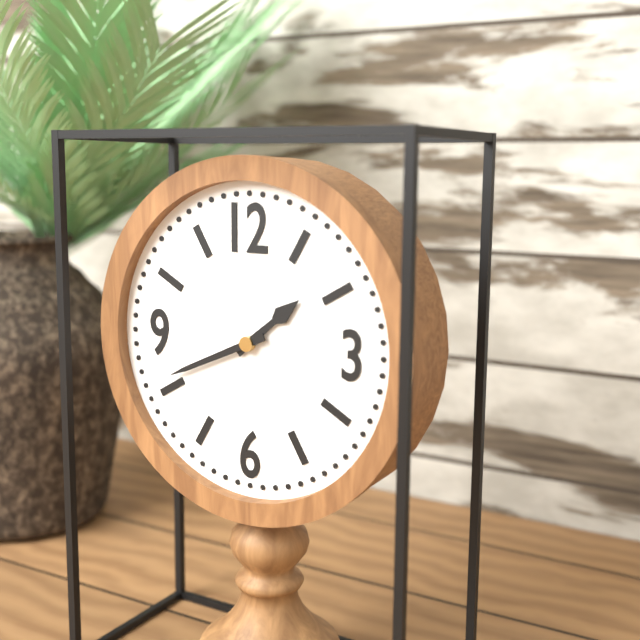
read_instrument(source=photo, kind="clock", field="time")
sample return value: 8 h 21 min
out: 1 h 41 min
